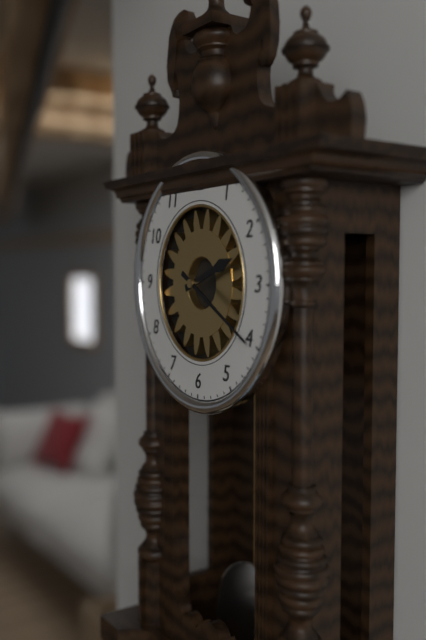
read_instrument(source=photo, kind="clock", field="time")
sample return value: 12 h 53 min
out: 2 h 20 min
